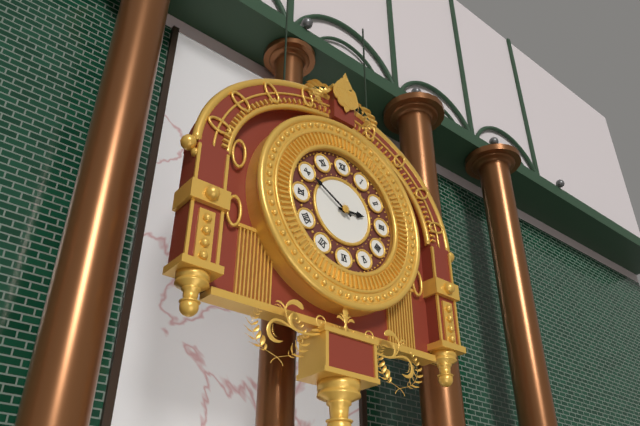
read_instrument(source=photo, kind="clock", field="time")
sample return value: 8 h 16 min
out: 2 h 50 min
